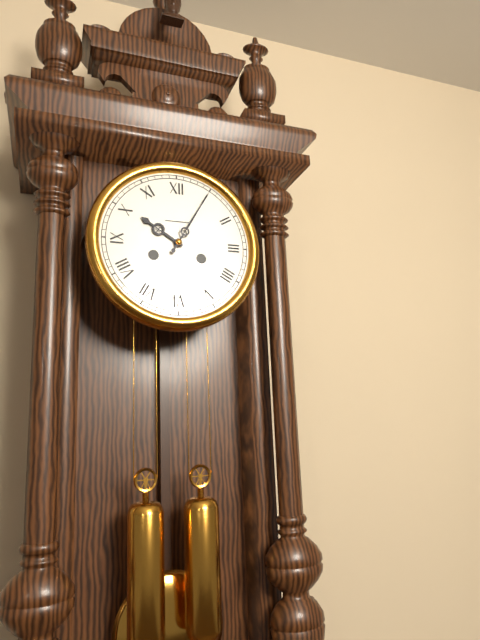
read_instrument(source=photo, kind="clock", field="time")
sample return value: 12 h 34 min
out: 10 h 05 min
